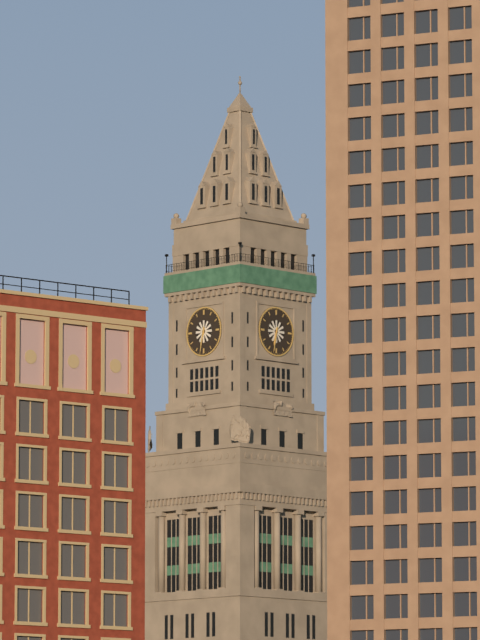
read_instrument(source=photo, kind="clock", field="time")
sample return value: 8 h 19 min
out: 6 h 32 min
